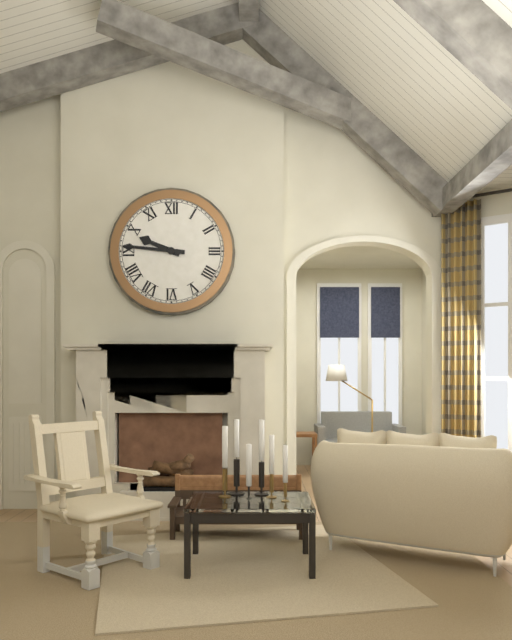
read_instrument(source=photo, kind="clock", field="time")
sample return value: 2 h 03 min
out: 9 h 46 min
